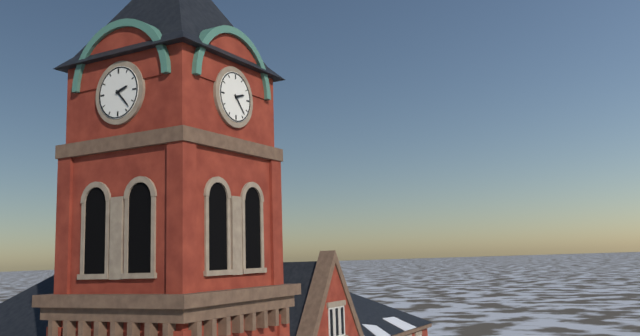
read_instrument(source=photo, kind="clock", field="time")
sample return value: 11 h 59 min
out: 2 h 23 min
